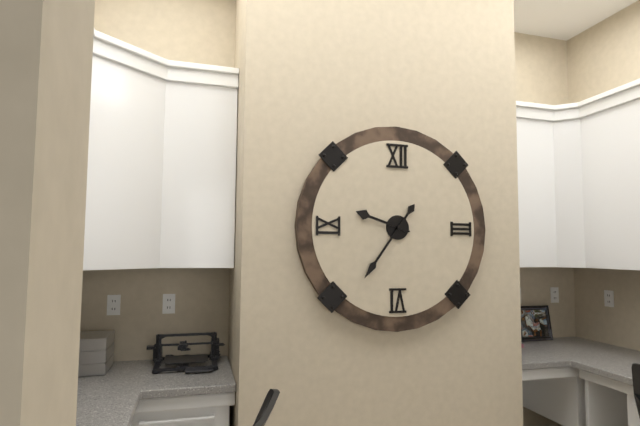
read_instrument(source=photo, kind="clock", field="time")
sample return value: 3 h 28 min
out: 9 h 36 min
